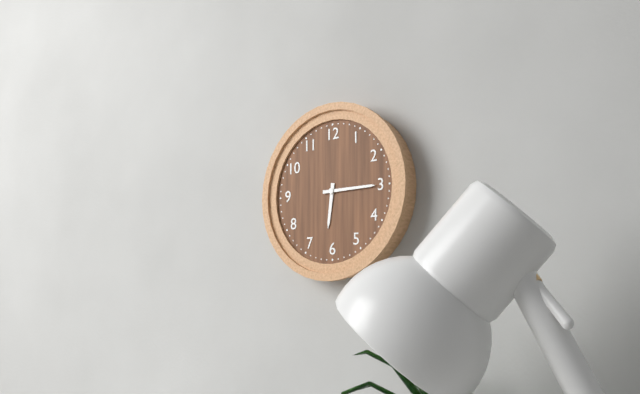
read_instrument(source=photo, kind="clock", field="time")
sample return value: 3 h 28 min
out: 6 h 15 min
